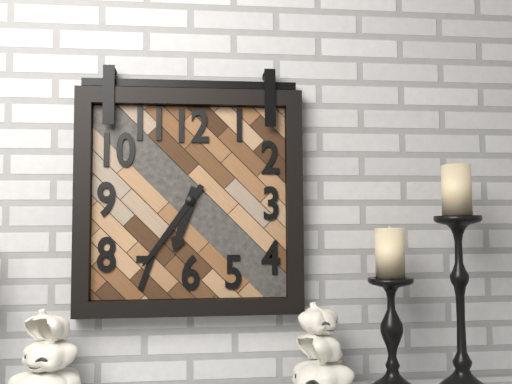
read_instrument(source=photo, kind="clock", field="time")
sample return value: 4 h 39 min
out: 6 h 36 min
